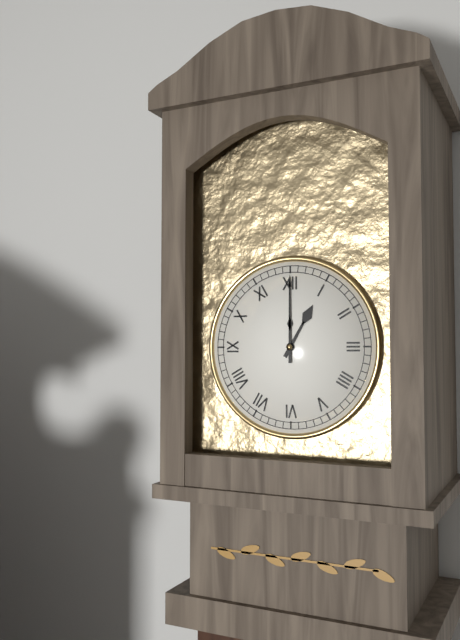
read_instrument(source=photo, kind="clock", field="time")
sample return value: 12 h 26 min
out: 1 h 00 min
